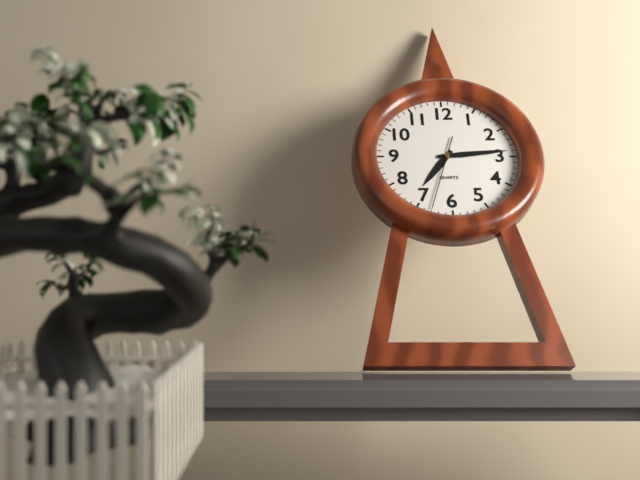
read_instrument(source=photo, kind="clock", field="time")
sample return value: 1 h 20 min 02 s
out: 7 h 14 min 33 s
